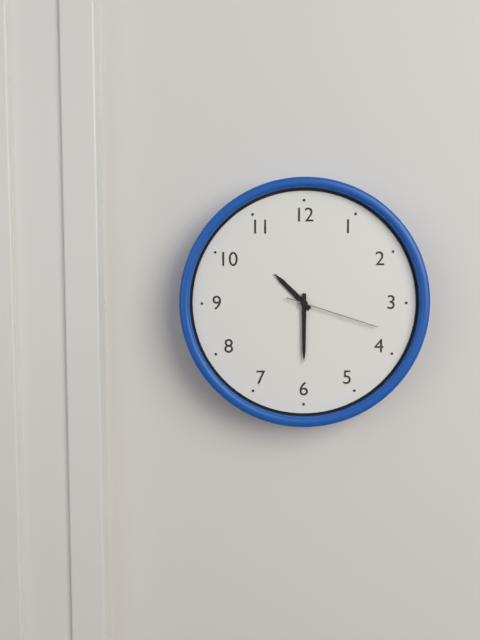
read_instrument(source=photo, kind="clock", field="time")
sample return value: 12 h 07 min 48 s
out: 10 h 30 min 18 s
